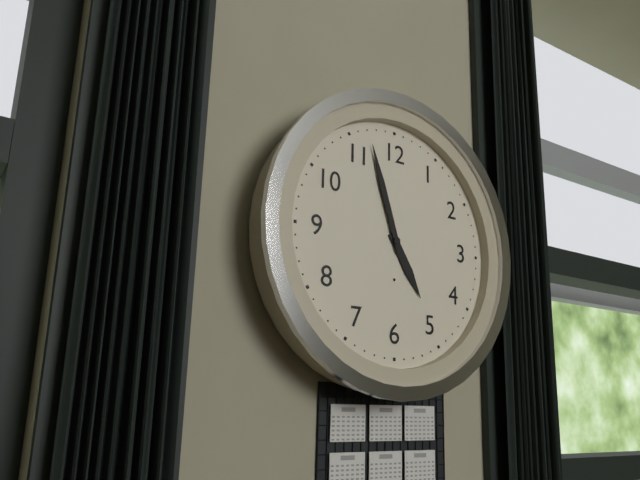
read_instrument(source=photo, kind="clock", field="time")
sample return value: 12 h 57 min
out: 4 h 57 min
